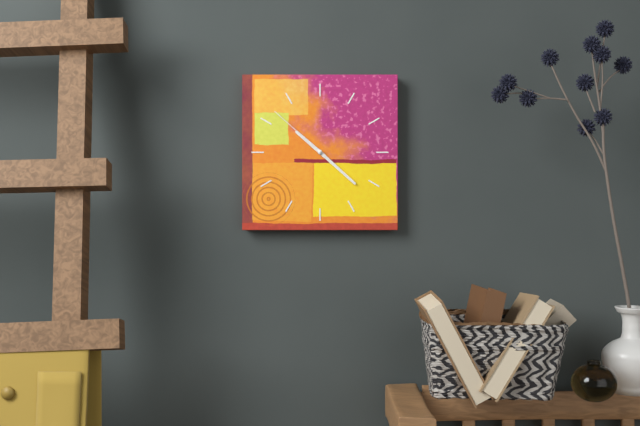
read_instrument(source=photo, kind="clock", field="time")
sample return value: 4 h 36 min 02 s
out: 10 h 22 min 52 s
